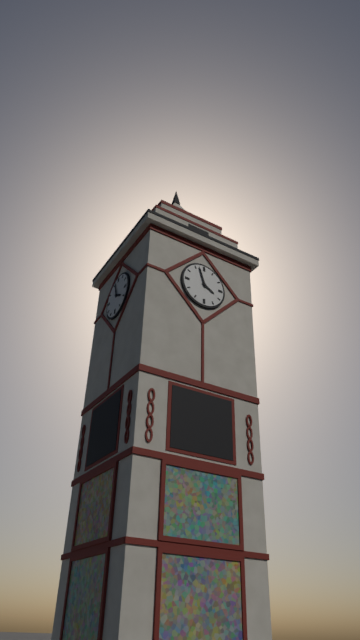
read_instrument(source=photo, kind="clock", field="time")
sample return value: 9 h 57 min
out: 3 h 57 min
